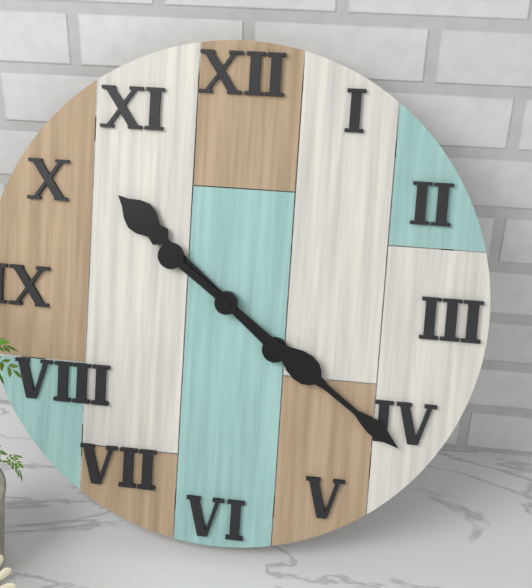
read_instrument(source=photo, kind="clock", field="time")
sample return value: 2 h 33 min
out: 10 h 21 min
